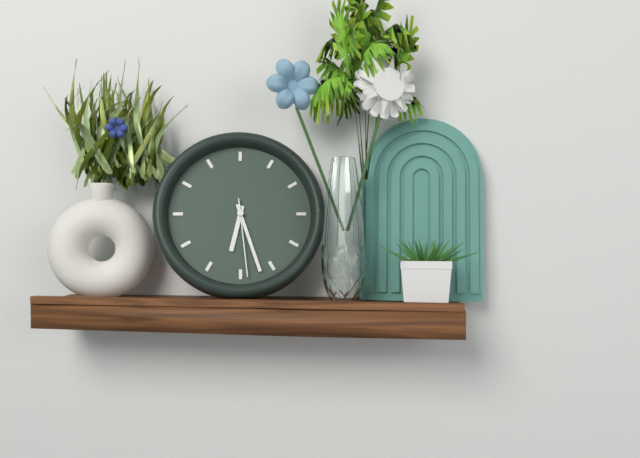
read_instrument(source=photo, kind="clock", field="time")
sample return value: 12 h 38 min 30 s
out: 6 h 27 min 29 s
